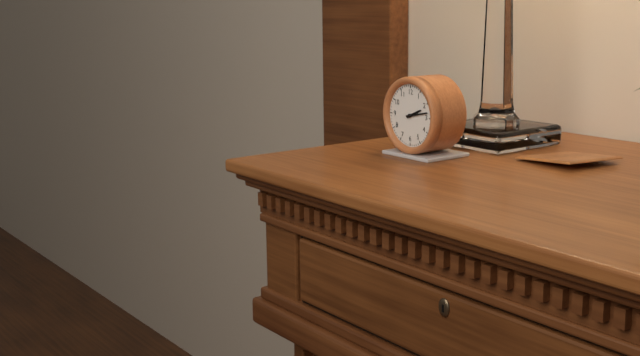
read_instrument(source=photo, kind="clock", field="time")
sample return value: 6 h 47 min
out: 2 h 13 min
